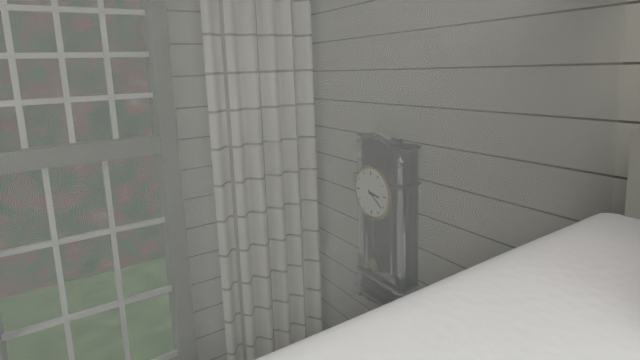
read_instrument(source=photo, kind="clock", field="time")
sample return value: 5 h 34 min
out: 3 h 21 min
